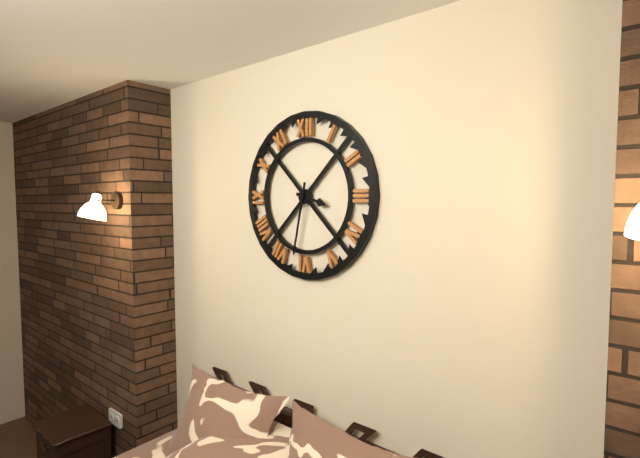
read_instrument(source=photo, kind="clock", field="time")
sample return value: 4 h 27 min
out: 3 h 32 min
